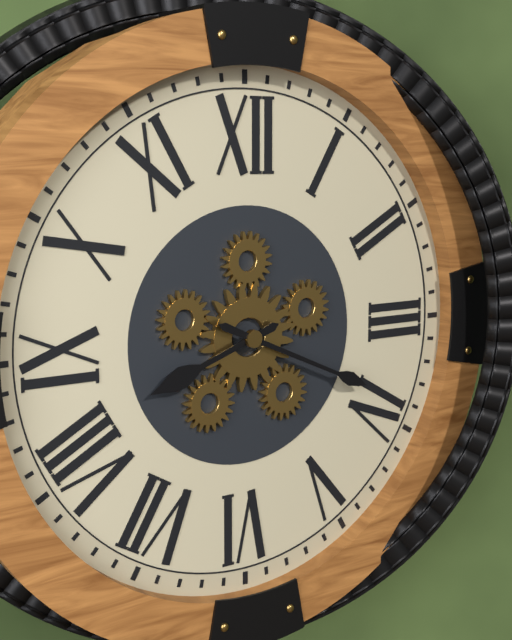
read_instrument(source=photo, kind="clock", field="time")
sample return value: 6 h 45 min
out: 8 h 19 min
